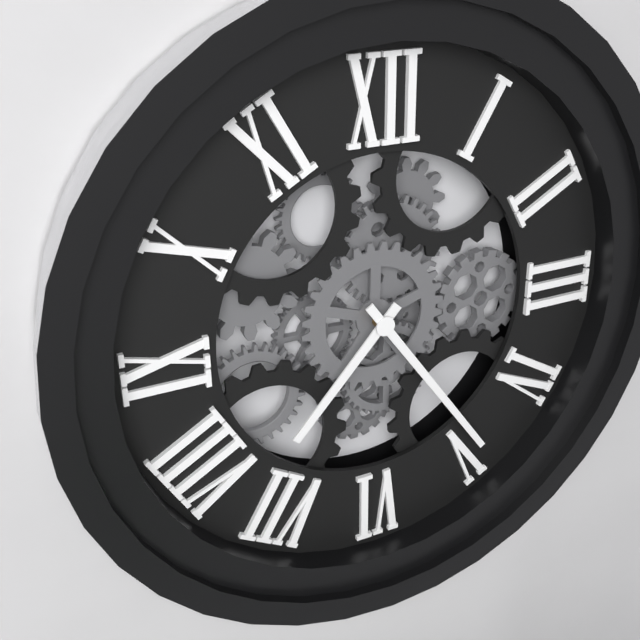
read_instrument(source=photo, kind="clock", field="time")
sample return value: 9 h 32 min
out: 7 h 24 min
